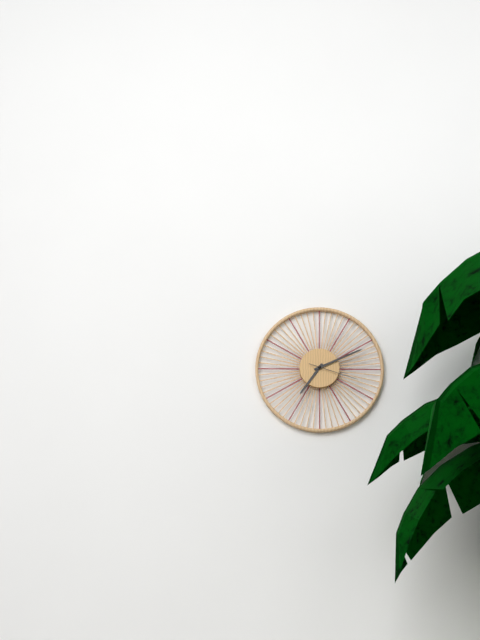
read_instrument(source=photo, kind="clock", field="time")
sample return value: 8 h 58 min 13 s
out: 7 h 11 min 18 s
